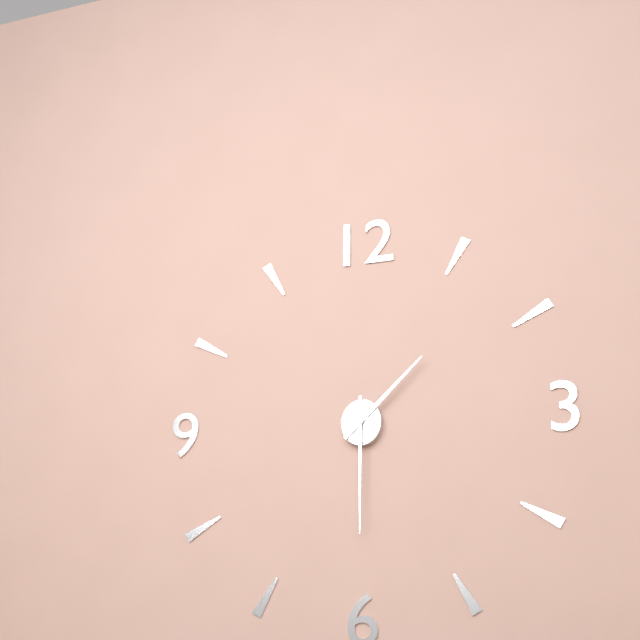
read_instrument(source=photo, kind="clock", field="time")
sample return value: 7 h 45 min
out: 1 h 30 min
